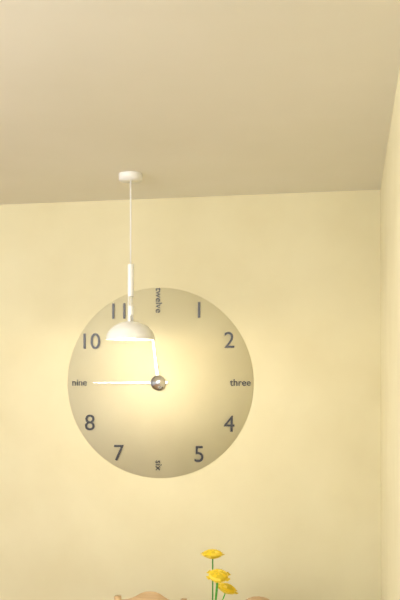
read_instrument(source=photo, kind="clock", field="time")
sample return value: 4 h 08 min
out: 11 h 45 min
